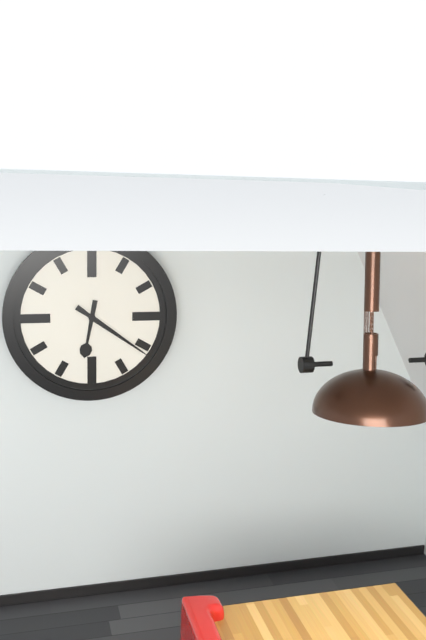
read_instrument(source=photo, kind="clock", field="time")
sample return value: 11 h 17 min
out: 6 h 21 min
